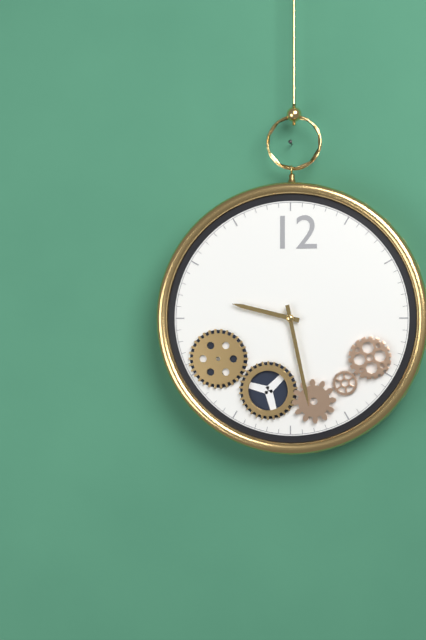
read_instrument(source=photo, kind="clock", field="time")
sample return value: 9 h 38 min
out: 9 h 28 min
